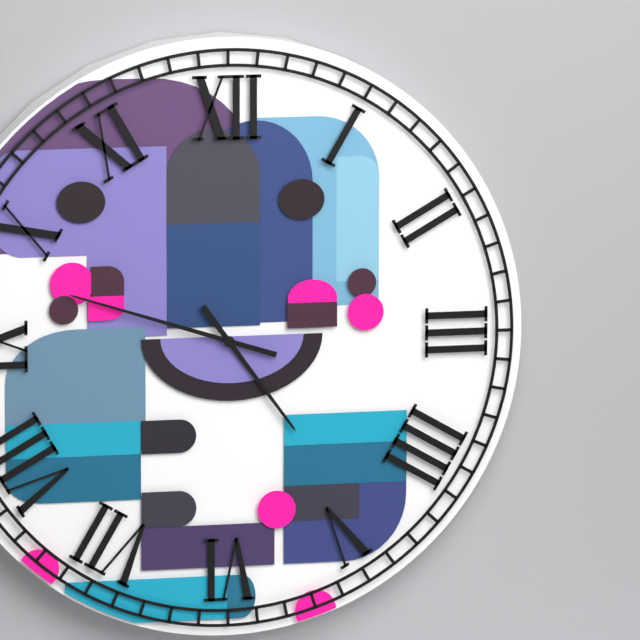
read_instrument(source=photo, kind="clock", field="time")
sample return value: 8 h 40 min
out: 4 h 48 min
